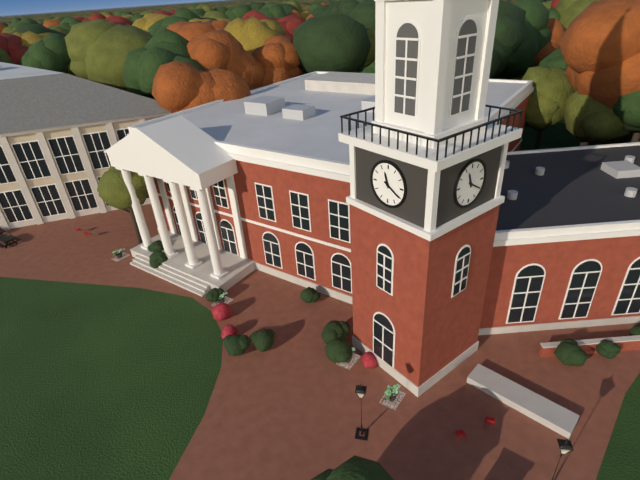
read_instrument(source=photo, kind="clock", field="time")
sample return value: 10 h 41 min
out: 11 h 20 min
